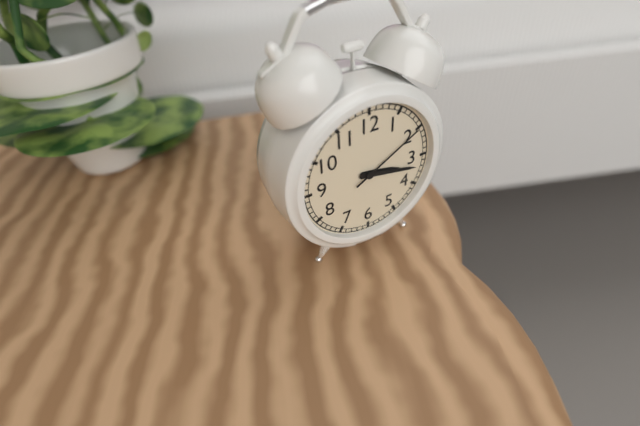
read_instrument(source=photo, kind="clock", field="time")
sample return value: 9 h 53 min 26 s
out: 3 h 17 min 10 s
